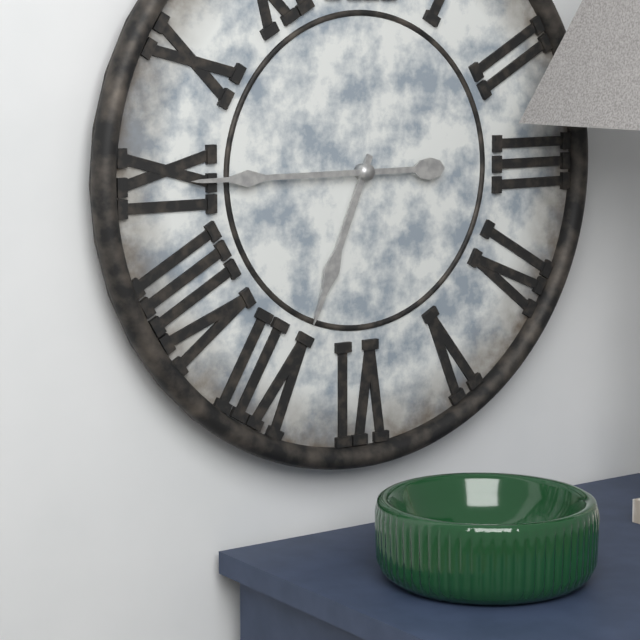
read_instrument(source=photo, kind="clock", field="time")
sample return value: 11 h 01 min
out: 6 h 45 min
